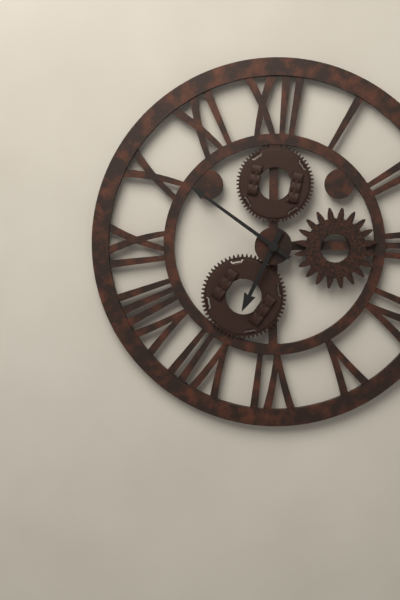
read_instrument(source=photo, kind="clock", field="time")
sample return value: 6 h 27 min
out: 6 h 51 min
